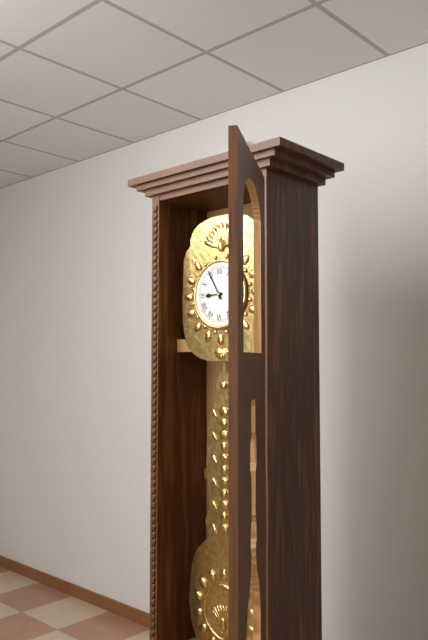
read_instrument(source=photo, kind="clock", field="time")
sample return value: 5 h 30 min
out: 8 h 55 min
